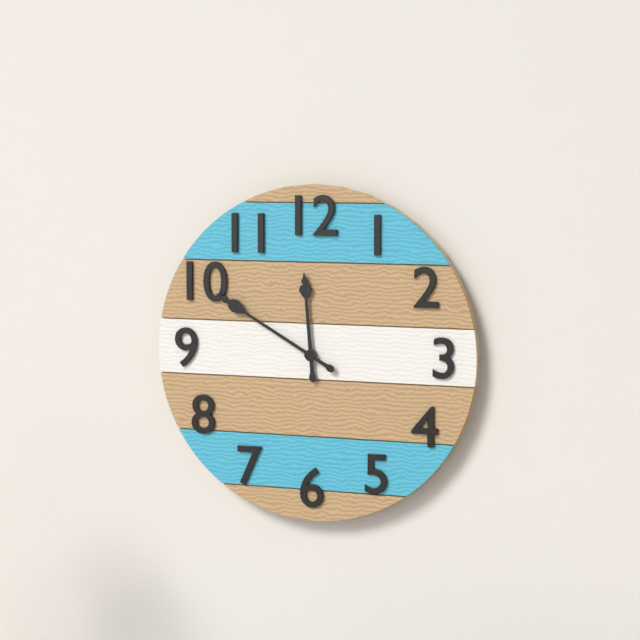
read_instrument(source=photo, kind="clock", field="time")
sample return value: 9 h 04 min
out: 11 h 50 min
